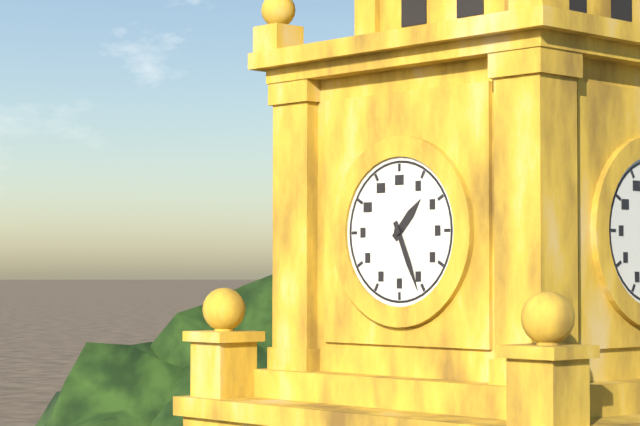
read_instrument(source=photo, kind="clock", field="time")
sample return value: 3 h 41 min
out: 1 h 26 min
